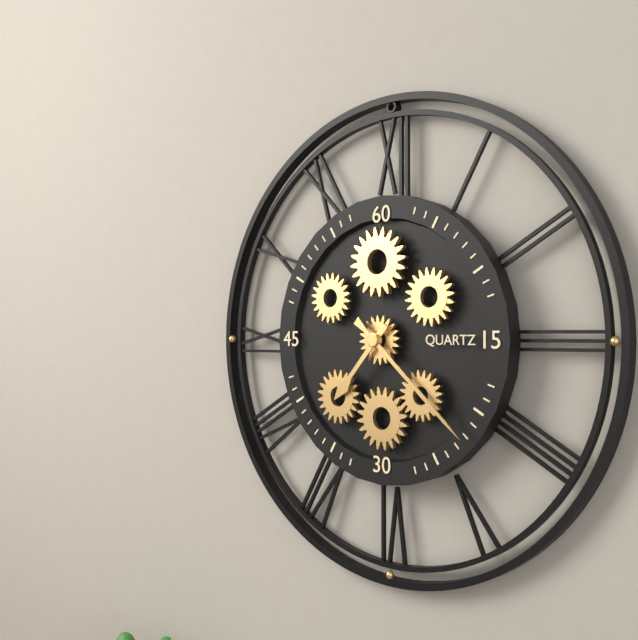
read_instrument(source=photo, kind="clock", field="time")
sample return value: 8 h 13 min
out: 7 h 22 min
